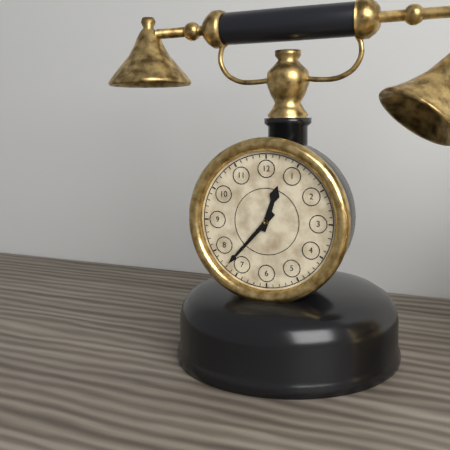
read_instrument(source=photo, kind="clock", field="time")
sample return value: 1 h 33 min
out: 12 h 37 min
